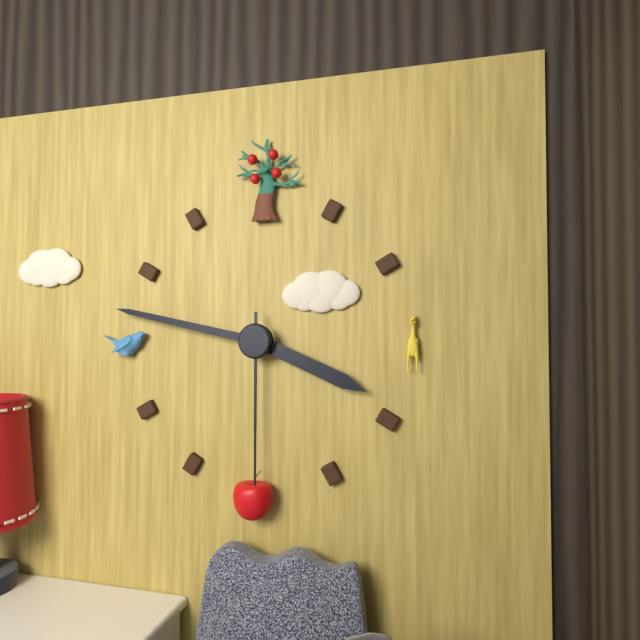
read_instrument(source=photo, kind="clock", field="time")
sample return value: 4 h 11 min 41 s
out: 3 h 47 min 30 s
